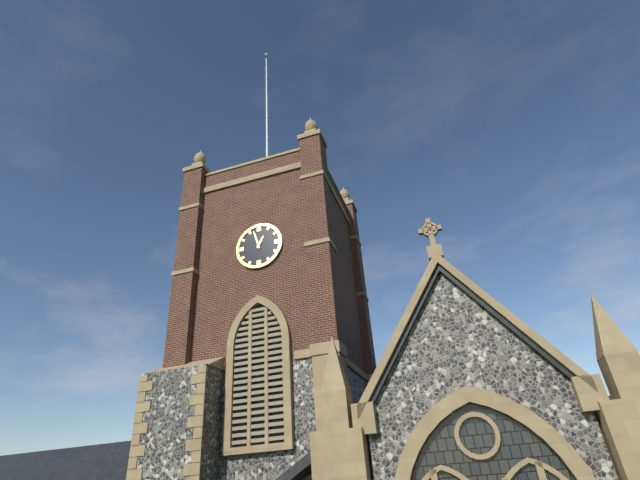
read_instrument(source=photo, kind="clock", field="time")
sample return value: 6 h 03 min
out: 12 h 57 min
